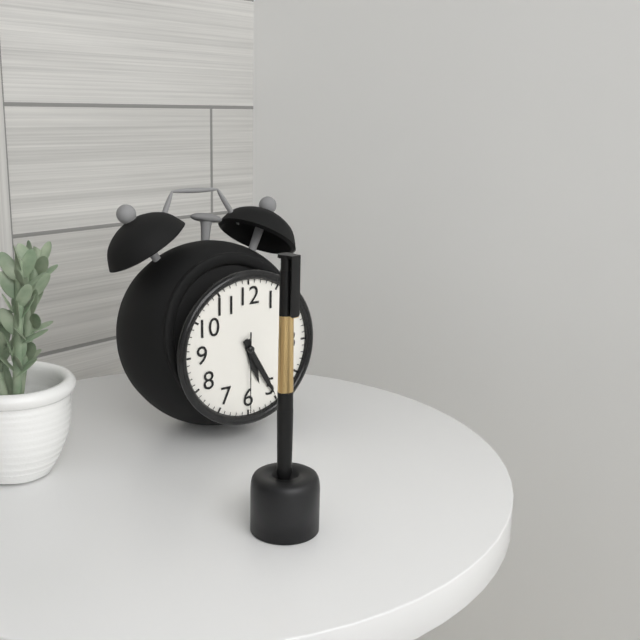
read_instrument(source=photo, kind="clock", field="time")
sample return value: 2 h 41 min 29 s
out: 5 h 25 min 30 s
